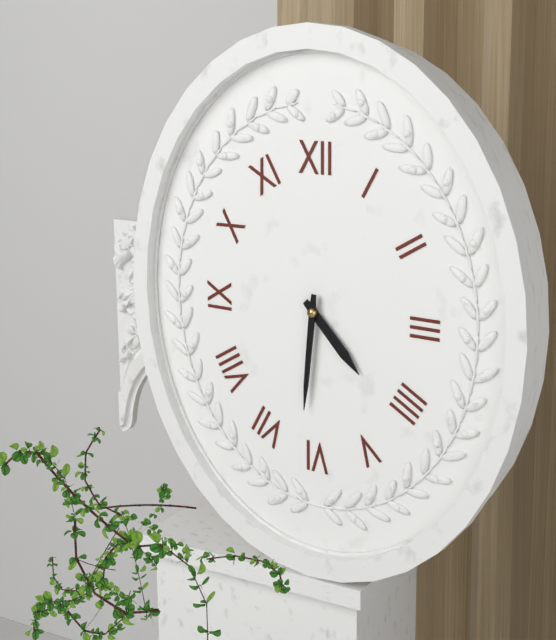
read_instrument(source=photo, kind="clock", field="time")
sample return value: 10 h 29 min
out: 4 h 31 min
